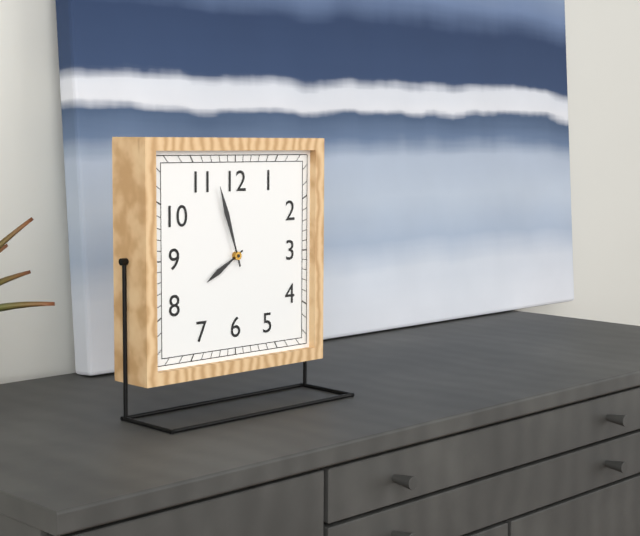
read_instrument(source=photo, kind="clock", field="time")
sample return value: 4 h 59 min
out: 7 h 57 min
